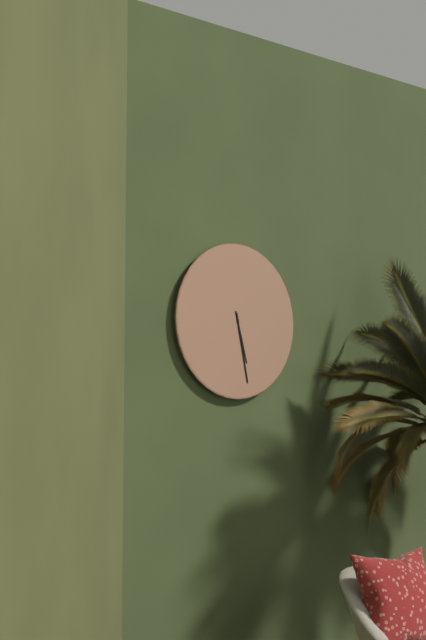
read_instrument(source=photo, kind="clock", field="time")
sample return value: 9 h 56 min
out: 5 h 28 min
